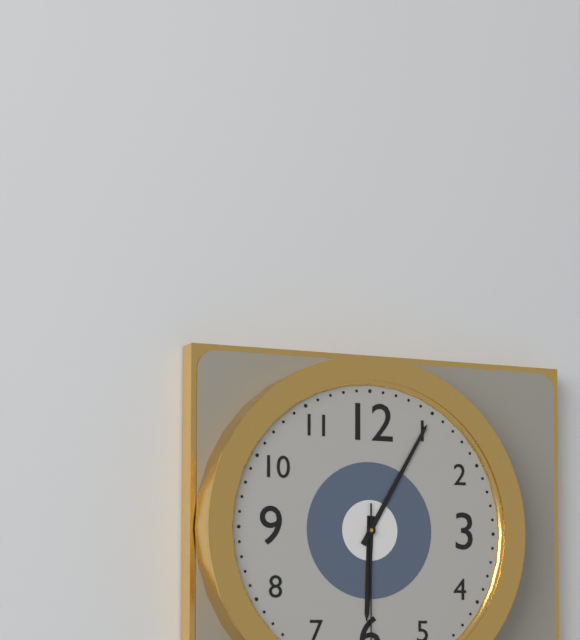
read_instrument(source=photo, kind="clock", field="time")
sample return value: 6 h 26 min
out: 6 h 05 min
